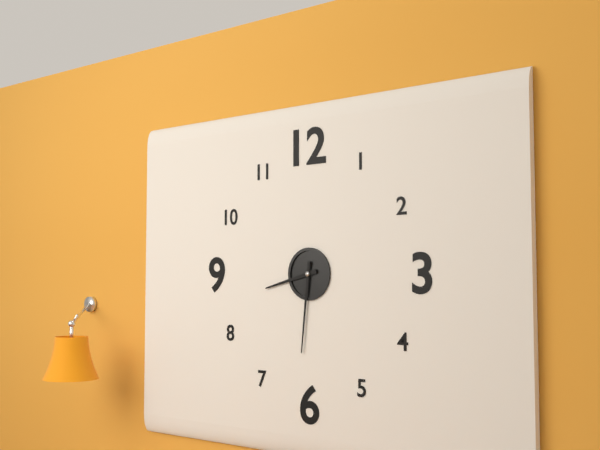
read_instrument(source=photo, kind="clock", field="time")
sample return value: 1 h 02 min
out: 8 h 31 min
